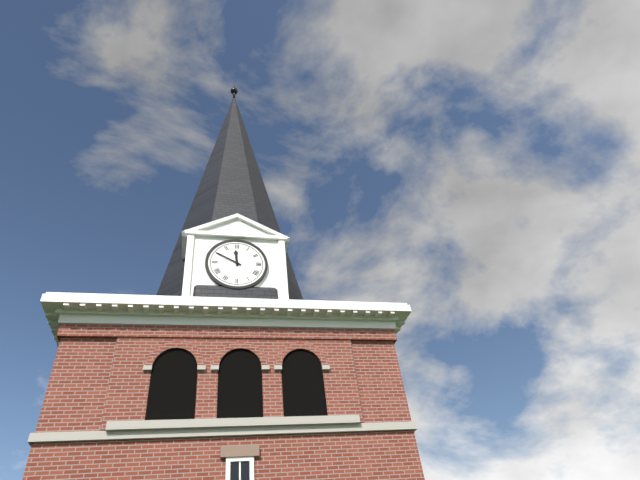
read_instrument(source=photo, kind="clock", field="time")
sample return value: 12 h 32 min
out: 11 h 50 min
